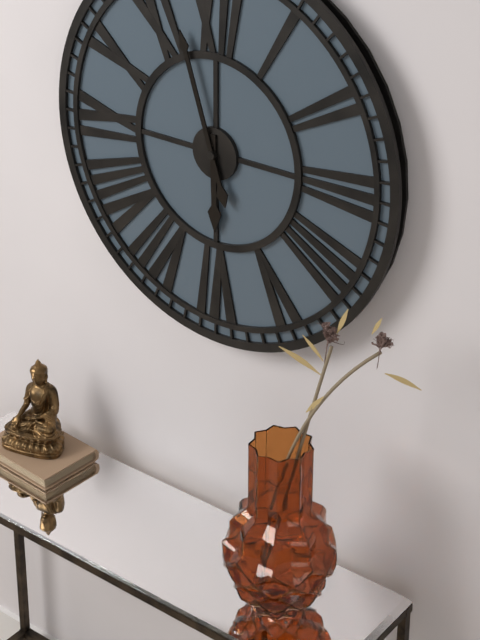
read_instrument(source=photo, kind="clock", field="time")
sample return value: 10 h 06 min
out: 5 h 57 min
